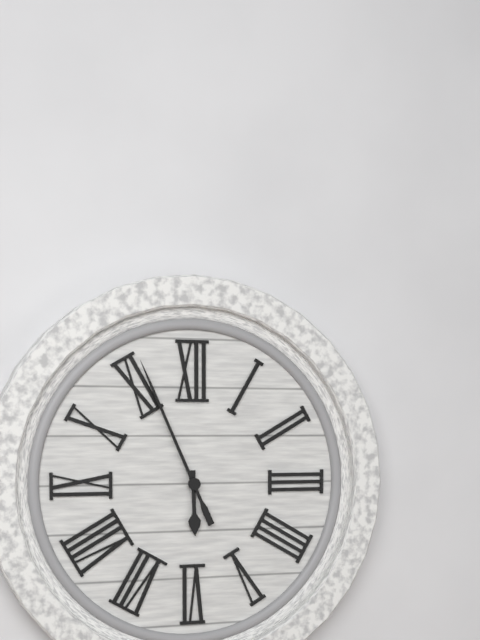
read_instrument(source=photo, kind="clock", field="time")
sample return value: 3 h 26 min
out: 5 h 56 min
